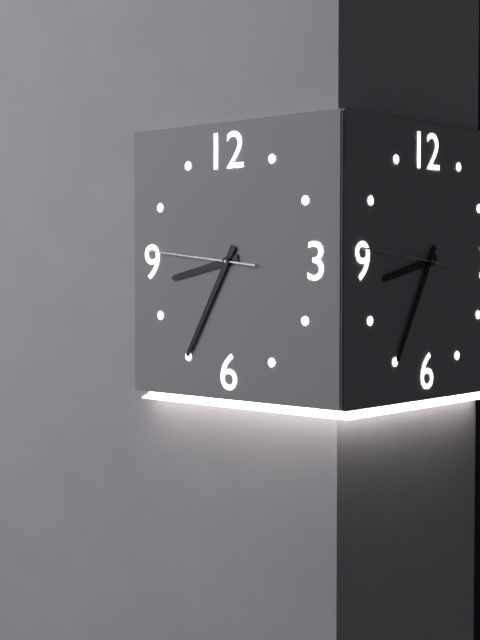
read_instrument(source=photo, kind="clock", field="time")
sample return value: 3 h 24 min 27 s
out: 8 h 35 min 46 s
